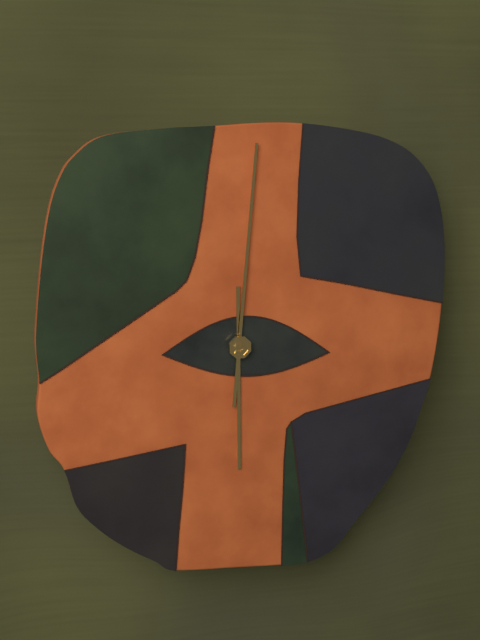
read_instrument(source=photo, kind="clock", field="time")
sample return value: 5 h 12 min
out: 6 h 01 min
